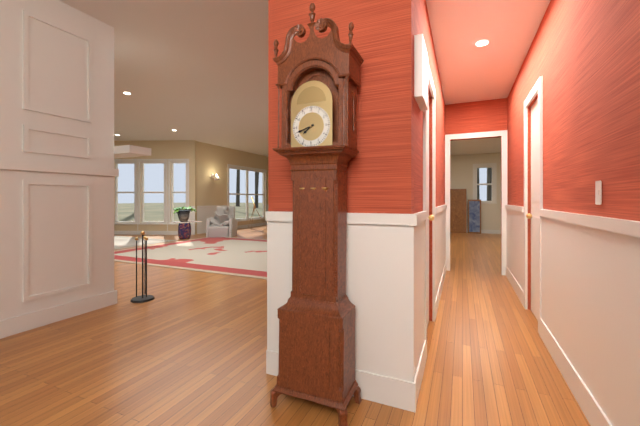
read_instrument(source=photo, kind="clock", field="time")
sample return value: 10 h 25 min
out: 7 h 42 min
